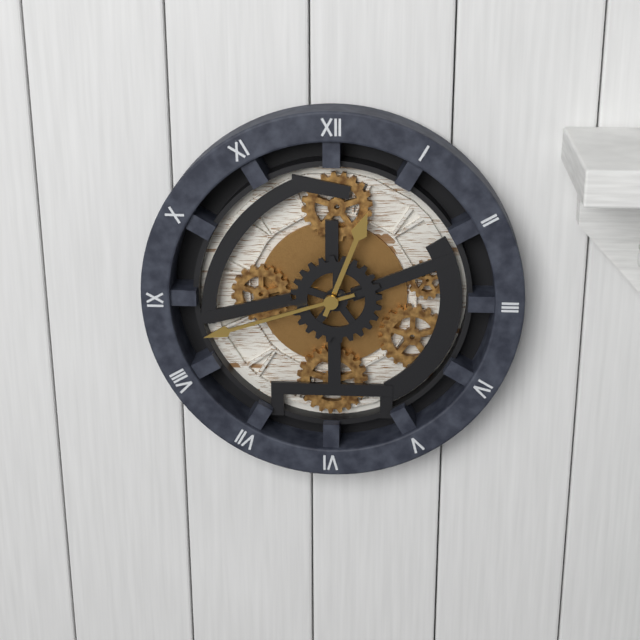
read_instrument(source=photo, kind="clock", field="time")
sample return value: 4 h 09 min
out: 12 h 42 min
